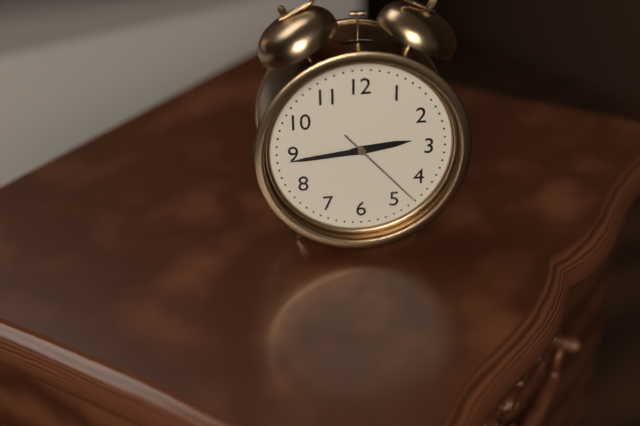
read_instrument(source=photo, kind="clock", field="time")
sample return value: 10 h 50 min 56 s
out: 2 h 44 min 23 s
